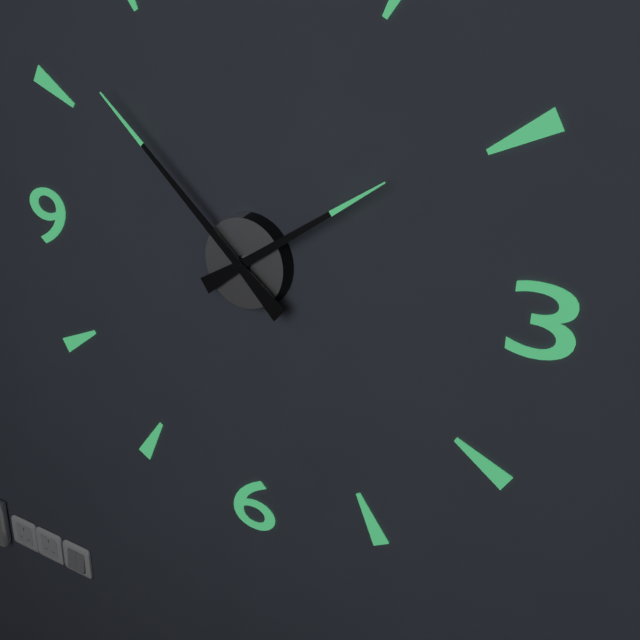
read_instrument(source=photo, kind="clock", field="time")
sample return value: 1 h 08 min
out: 1 h 52 min
